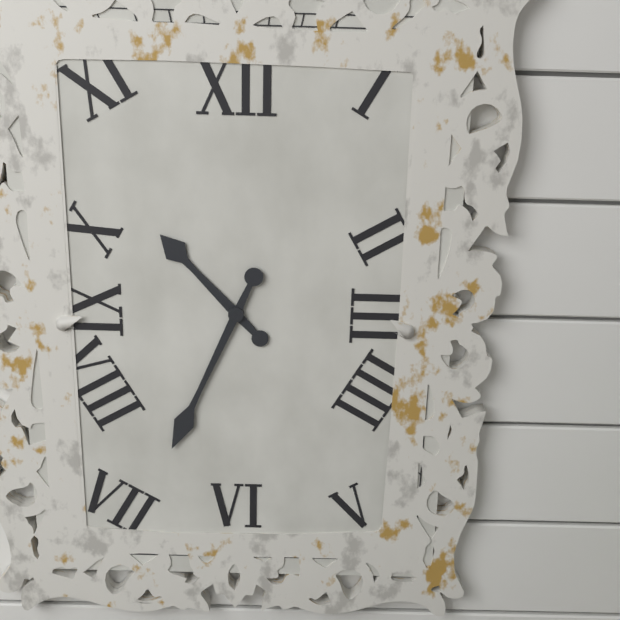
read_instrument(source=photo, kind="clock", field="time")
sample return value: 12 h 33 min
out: 10 h 34 min
